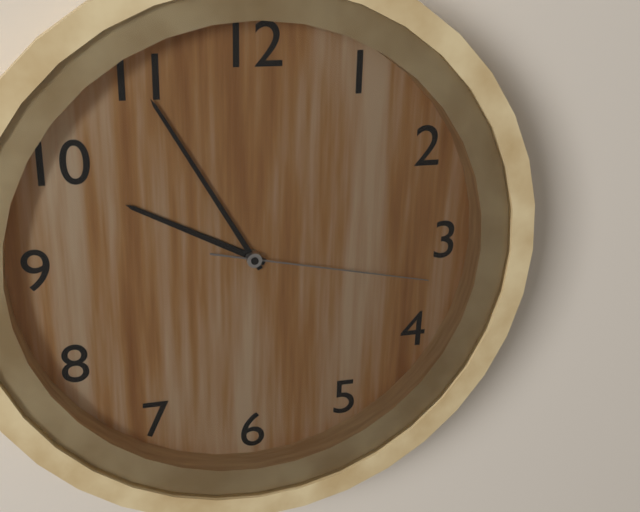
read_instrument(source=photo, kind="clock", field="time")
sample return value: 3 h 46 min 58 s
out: 9 h 55 min 17 s
